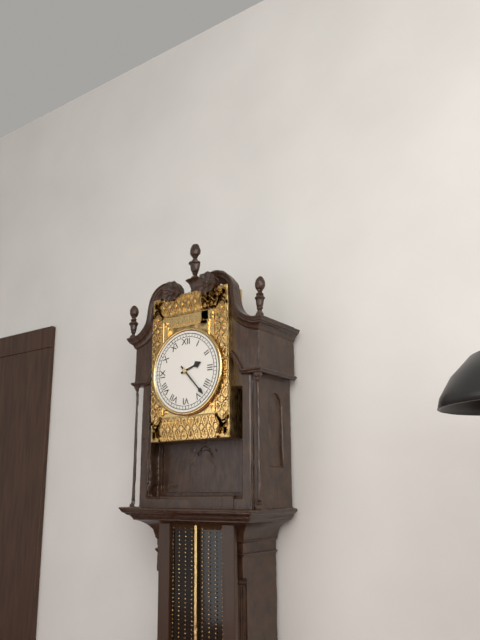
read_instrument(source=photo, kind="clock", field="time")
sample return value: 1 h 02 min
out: 2 h 23 min
